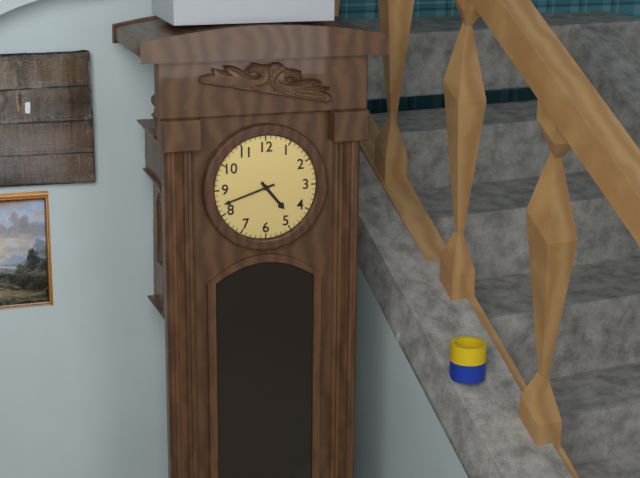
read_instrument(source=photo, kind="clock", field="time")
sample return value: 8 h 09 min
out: 4 h 42 min
